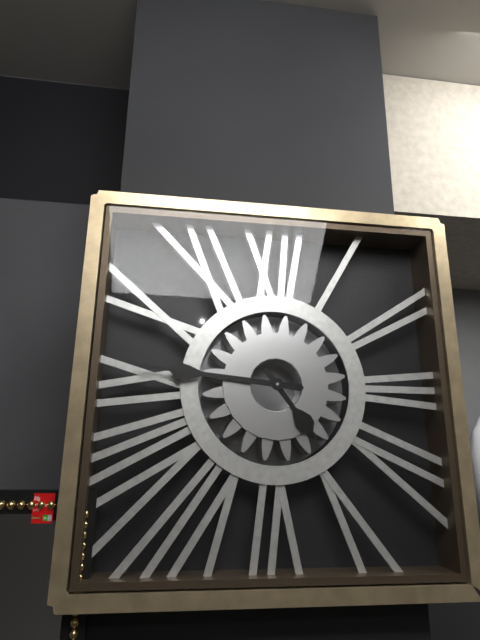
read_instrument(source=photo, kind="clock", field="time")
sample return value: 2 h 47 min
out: 4 h 46 min
